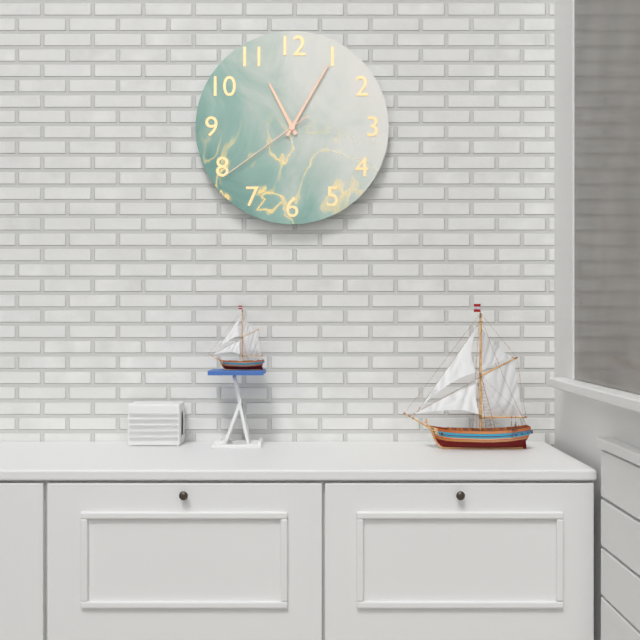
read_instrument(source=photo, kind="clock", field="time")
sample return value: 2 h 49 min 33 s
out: 11 h 05 min 39 s
